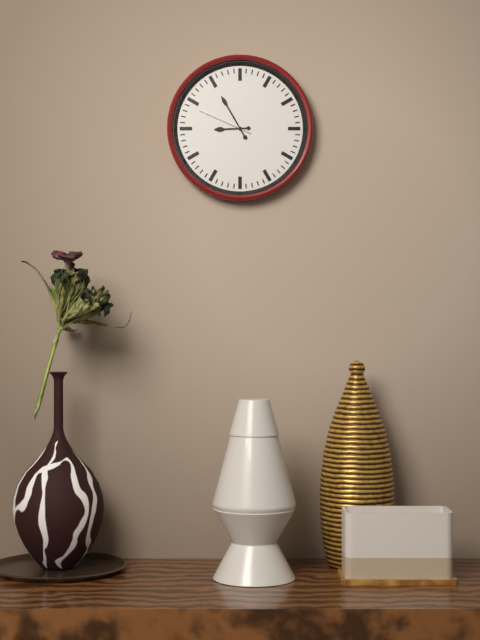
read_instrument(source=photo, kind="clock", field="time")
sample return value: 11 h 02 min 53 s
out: 8 h 55 min 49 s
